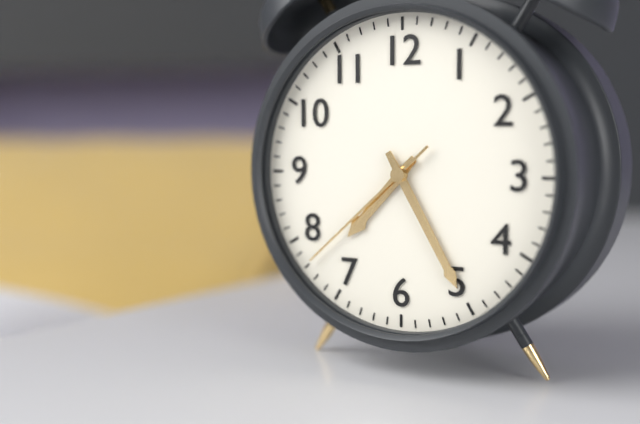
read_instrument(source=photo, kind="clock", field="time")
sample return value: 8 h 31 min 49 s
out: 7 h 25 min 38 s
